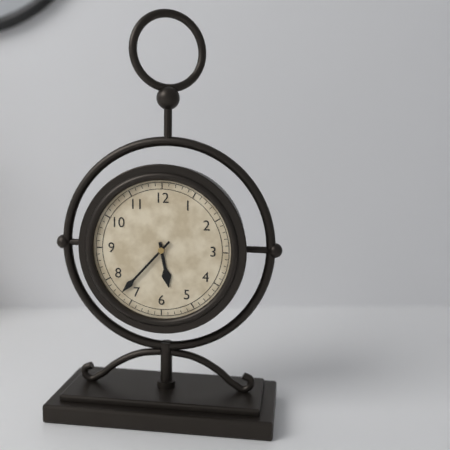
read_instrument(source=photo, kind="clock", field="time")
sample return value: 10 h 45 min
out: 5 h 37 min
